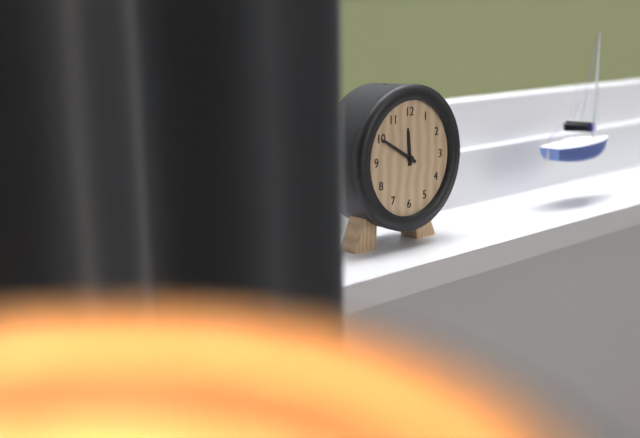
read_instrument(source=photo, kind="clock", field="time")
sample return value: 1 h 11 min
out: 11 h 50 min
